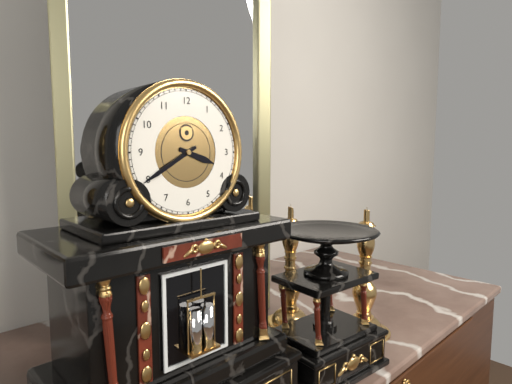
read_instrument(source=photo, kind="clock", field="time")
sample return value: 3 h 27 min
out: 3 h 40 min
